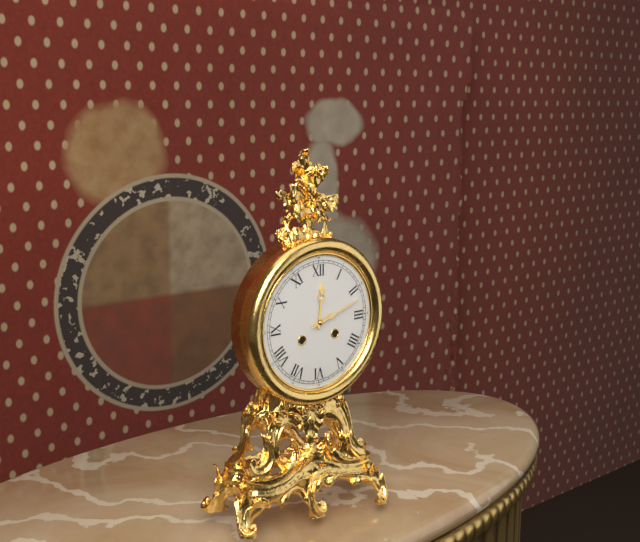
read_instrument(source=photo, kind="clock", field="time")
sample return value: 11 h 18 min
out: 12 h 12 min
